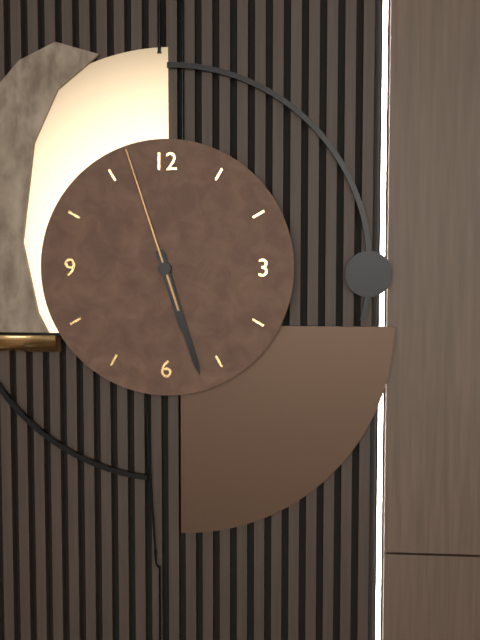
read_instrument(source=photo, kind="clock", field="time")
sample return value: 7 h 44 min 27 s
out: 5 h 27 min 57 s
